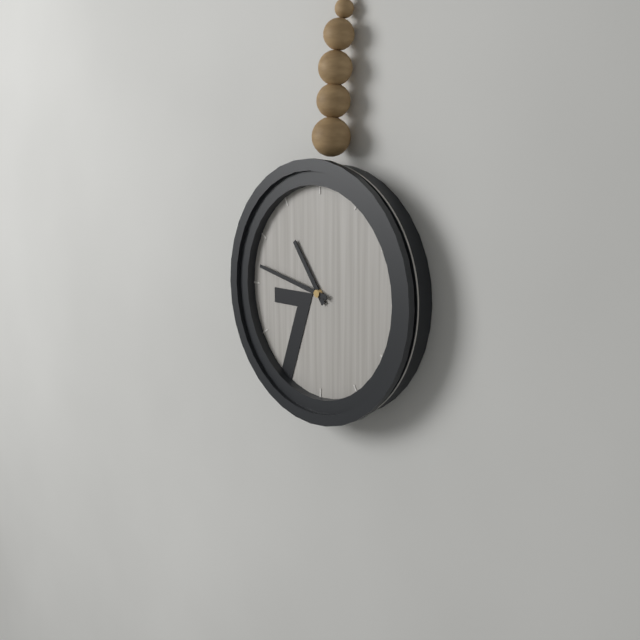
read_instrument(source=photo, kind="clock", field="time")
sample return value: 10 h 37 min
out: 10 h 47 min
